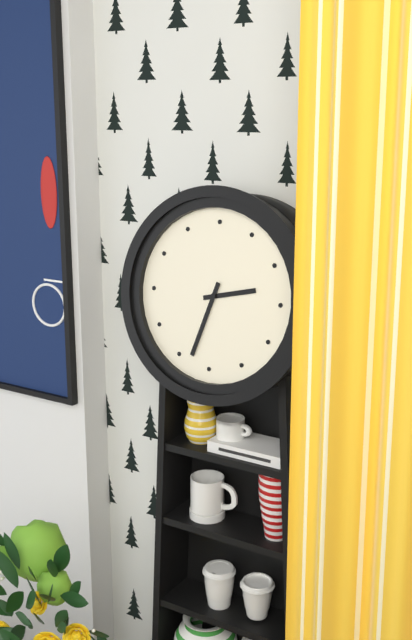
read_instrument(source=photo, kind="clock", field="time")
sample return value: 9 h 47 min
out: 2 h 33 min
